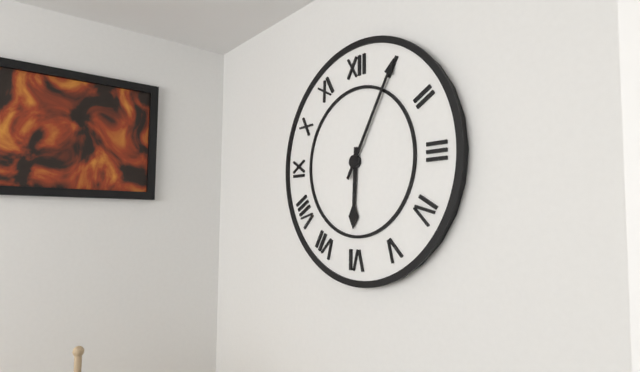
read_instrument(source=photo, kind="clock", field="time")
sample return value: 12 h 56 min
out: 6 h 05 min
